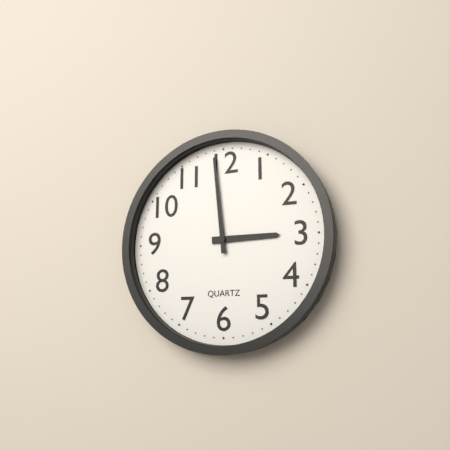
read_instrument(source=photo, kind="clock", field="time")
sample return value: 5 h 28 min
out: 2 h 59 min
